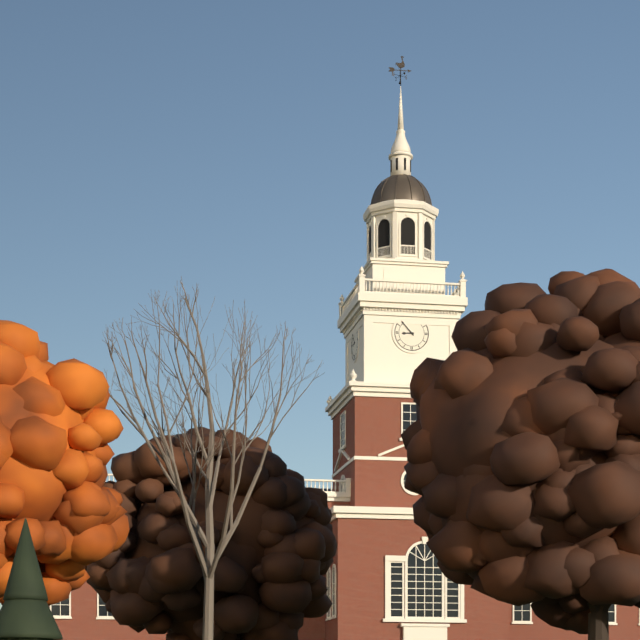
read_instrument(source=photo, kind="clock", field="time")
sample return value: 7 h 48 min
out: 8 h 53 min
